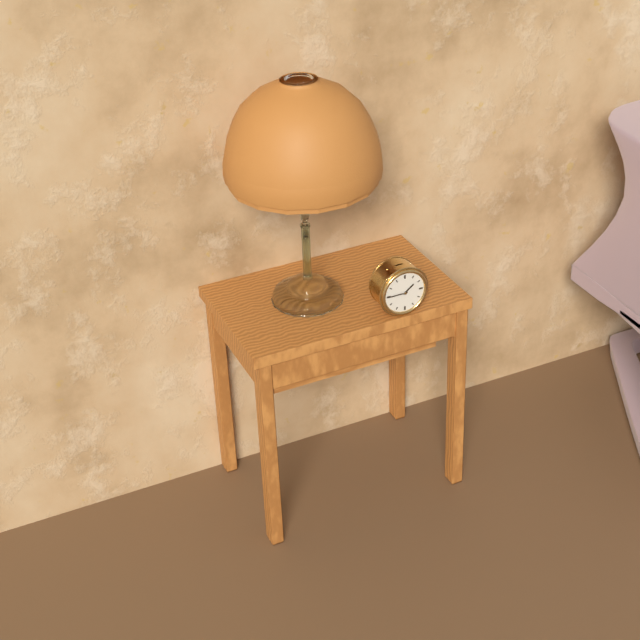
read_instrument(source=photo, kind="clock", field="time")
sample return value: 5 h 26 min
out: 1 h 45 min
